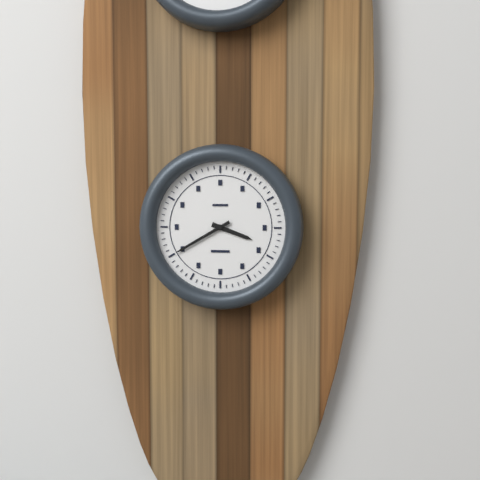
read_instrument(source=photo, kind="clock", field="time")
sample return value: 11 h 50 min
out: 3 h 40 min
